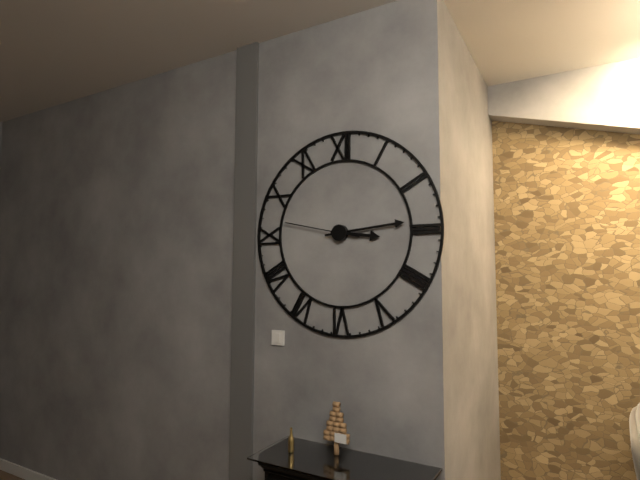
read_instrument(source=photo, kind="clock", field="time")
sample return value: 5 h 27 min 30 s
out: 3 h 14 min 47 s
